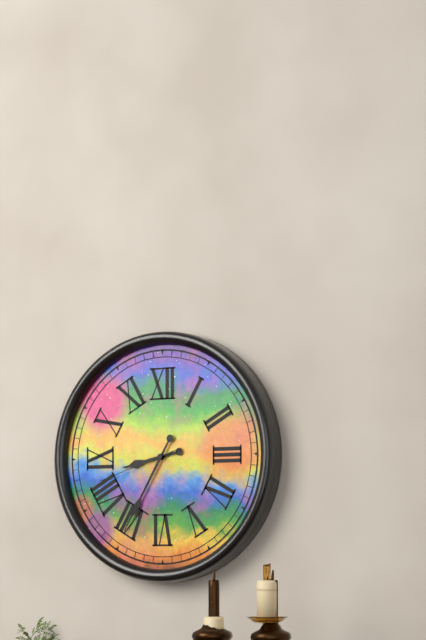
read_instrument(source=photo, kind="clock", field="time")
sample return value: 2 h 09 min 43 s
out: 8 h 35 min 42 s
